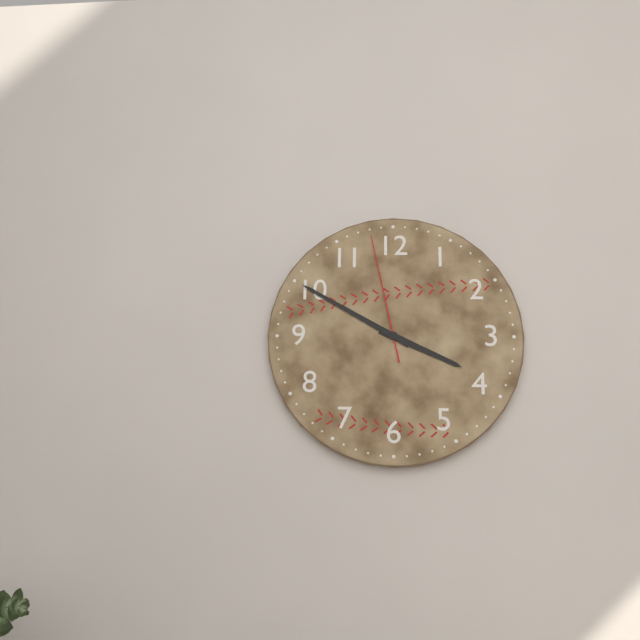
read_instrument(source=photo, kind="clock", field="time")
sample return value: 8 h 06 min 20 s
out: 3 h 50 min 58 s
